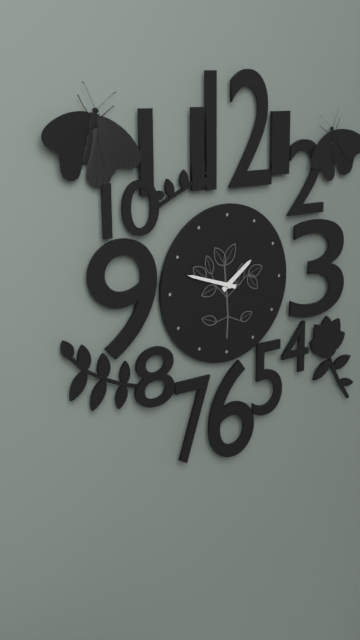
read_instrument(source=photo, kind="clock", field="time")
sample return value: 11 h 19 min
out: 1 h 48 min
